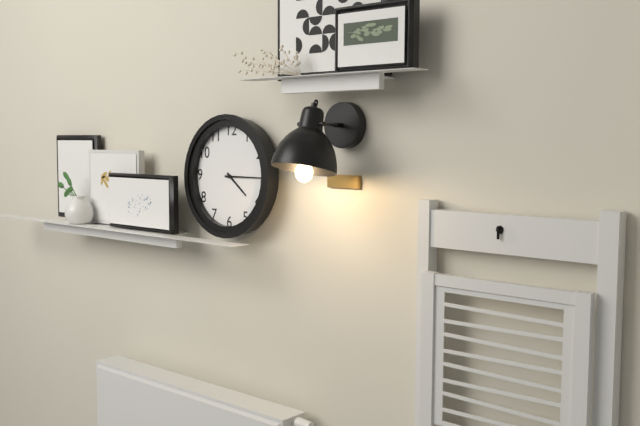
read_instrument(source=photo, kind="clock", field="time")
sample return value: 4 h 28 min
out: 4 h 15 min
